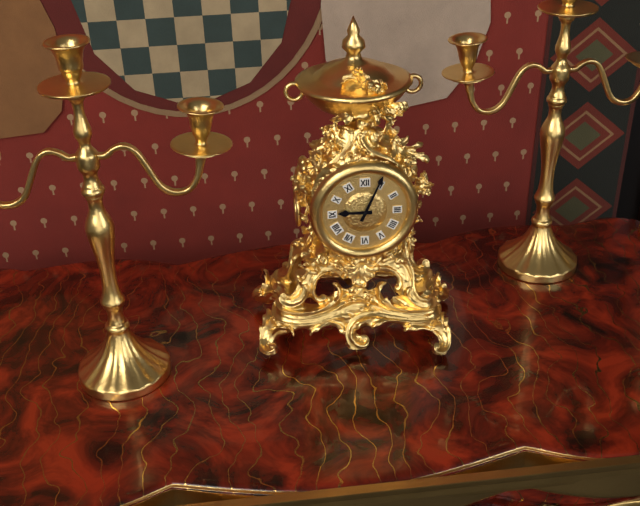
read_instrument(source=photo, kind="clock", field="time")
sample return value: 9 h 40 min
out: 9 h 04 min
